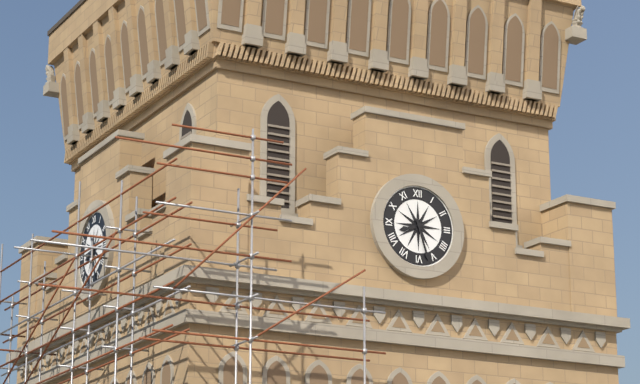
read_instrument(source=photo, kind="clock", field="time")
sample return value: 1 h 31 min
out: 8 h 27 min
